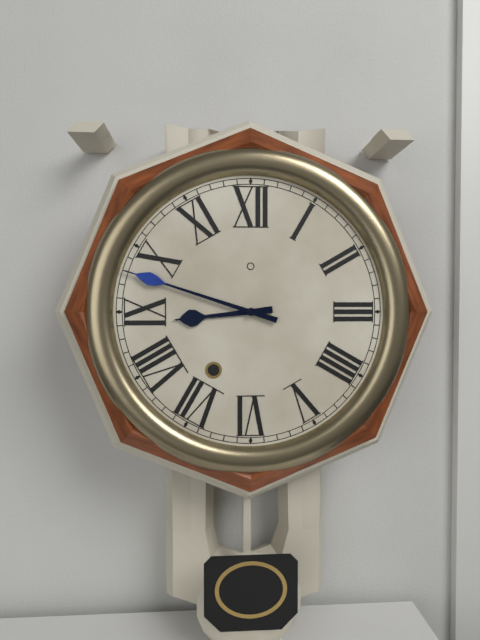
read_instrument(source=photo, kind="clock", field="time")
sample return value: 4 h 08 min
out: 8 h 48 min
